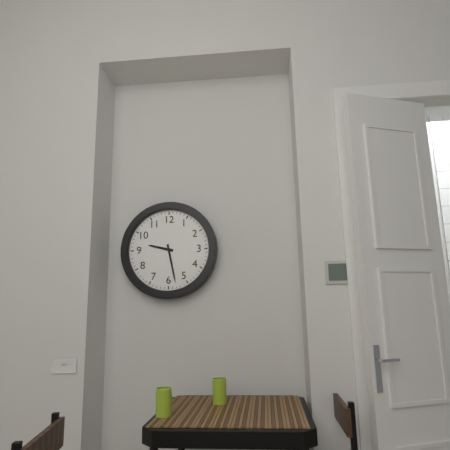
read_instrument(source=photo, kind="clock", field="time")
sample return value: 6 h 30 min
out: 9 h 28 min
